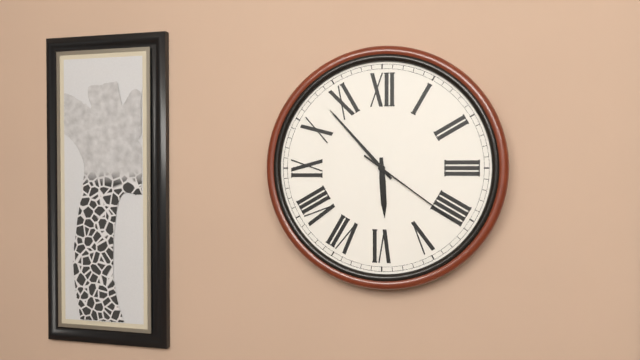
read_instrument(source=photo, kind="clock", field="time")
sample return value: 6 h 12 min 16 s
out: 5 h 53 min 21 s
